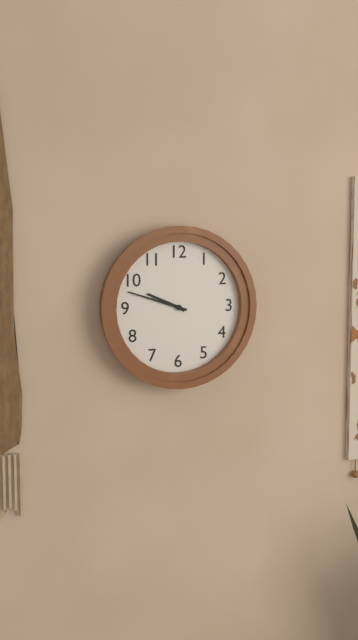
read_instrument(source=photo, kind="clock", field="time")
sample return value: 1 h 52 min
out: 9 h 48 min
